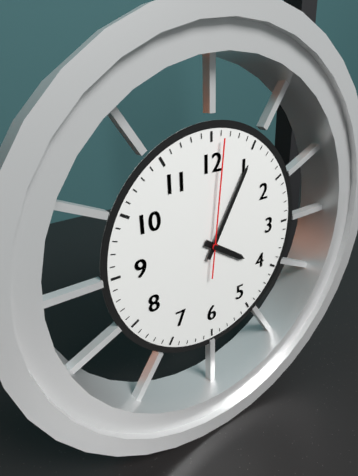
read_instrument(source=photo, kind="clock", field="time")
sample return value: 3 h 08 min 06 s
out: 4 h 05 min 01 s
